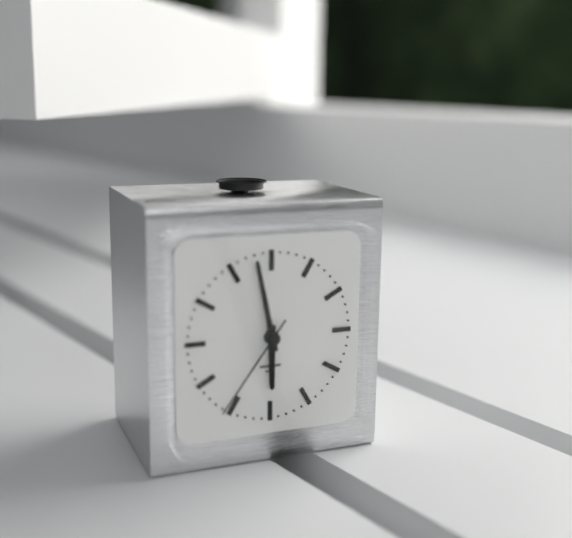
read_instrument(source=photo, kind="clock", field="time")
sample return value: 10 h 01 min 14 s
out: 5 h 58 min 36 s
